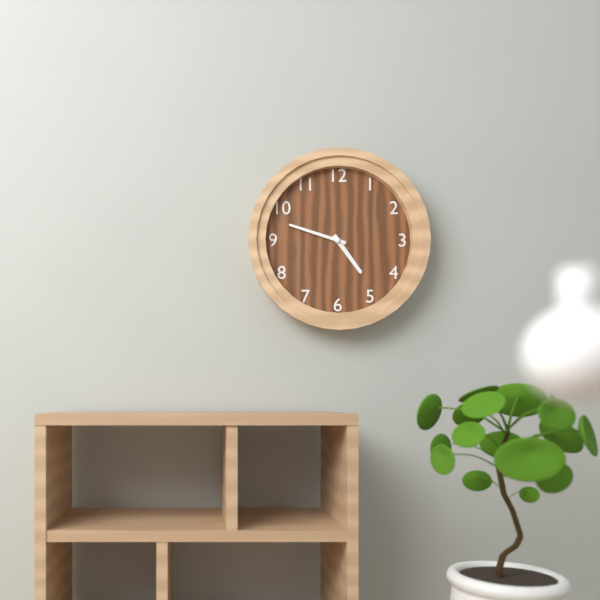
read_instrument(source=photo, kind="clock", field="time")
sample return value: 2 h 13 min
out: 4 h 48 min
